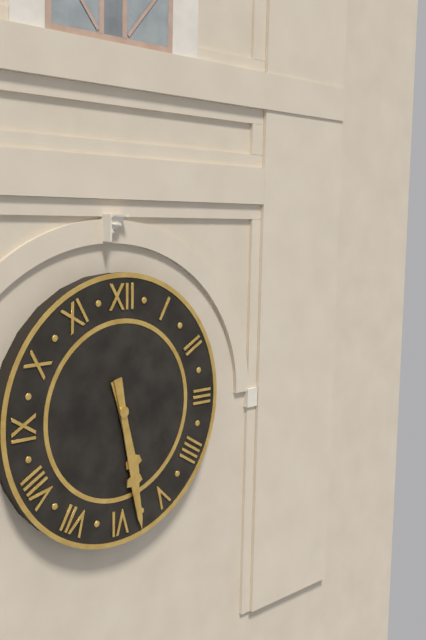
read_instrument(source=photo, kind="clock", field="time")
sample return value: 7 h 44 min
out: 5 h 28 min
